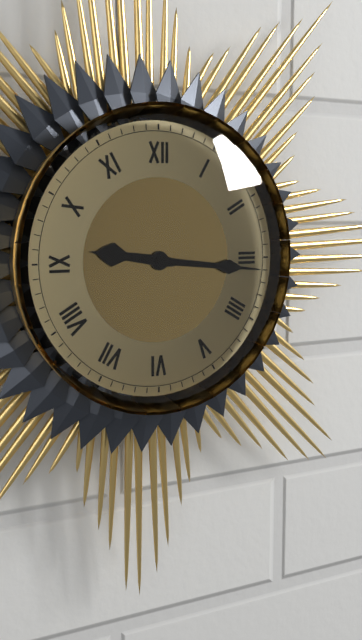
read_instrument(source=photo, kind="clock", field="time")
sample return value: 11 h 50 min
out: 9 h 16 min
